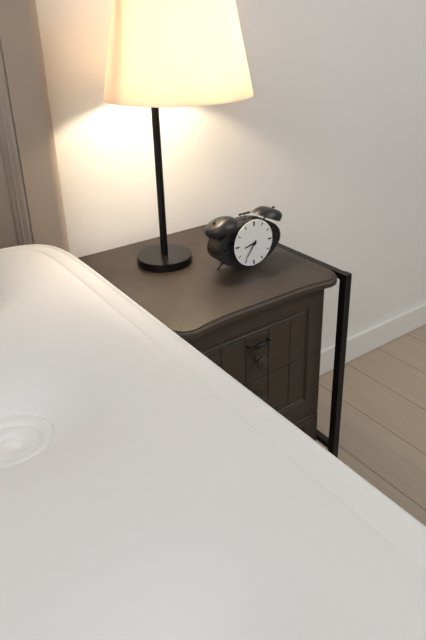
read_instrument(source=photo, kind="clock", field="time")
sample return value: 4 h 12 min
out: 8 h 36 min
